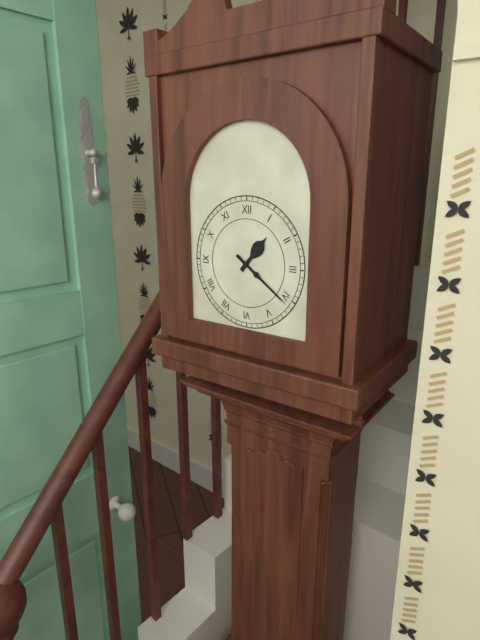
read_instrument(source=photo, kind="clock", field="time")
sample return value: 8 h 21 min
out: 1 h 21 min
